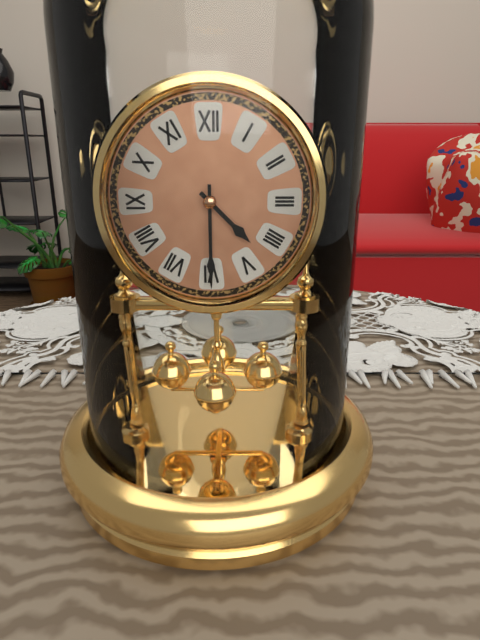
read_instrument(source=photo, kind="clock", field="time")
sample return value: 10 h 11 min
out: 4 h 30 min
